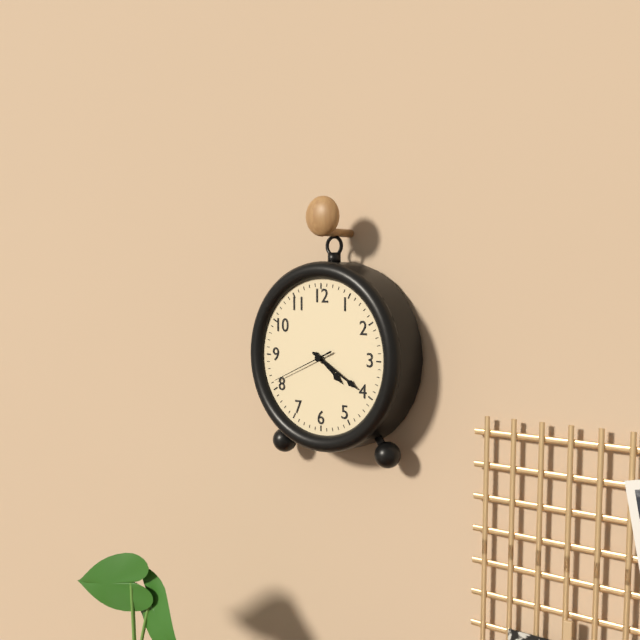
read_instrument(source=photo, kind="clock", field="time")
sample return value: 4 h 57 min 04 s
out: 4 h 20 min 41 s
